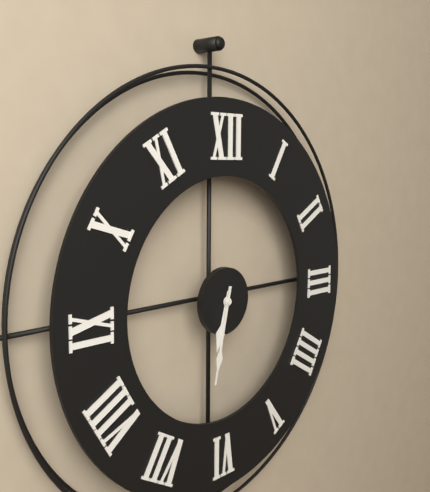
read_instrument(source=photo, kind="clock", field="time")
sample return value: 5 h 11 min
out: 6 h 32 min
